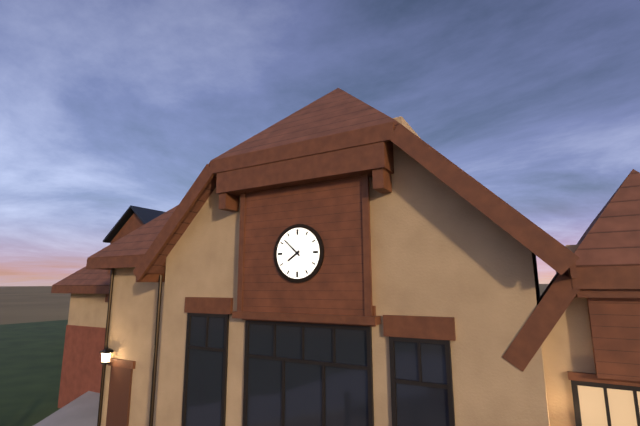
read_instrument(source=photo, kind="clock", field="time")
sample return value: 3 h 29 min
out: 7 h 52 min
